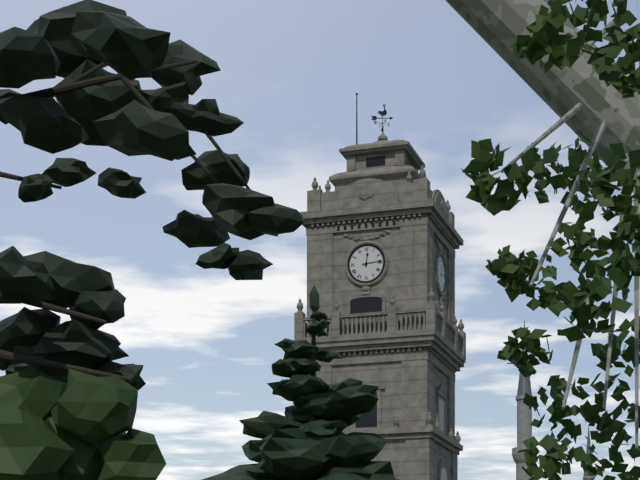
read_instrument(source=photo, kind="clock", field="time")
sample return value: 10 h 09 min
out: 12 h 14 min
